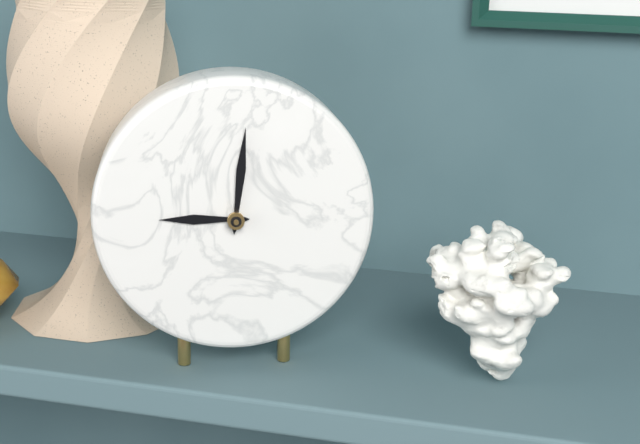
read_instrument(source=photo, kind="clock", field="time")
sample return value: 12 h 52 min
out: 9 h 01 min
